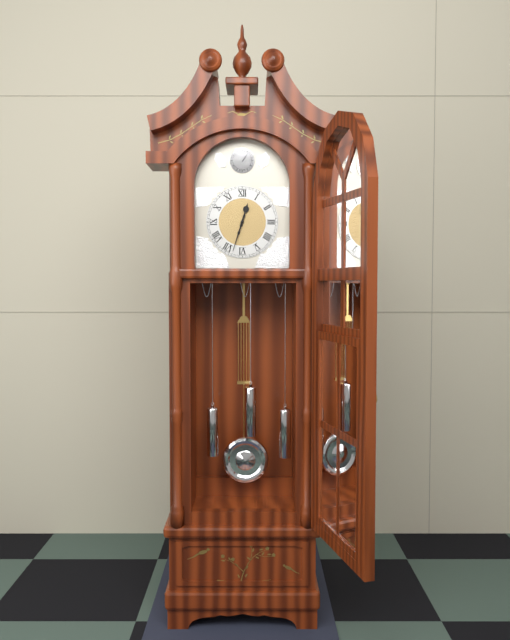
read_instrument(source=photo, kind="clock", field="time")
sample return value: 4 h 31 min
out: 12 h 33 min
